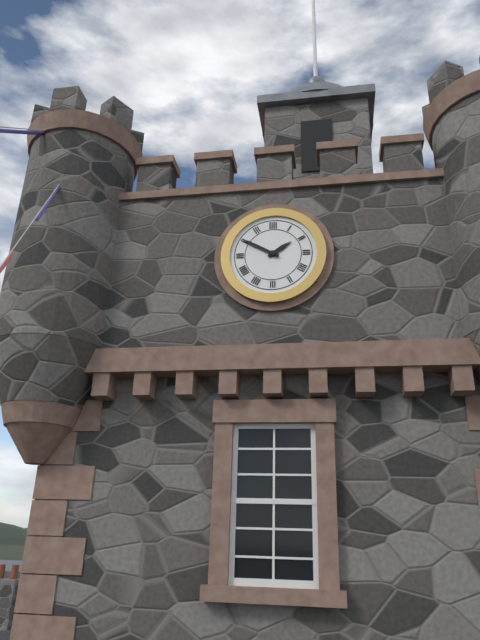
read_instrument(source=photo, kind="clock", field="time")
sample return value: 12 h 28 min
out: 1 h 50 min
